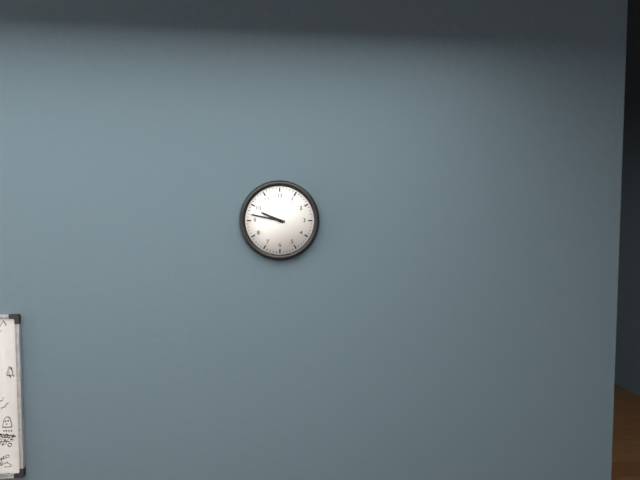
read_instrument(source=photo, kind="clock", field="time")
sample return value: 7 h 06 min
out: 9 h 47 min
